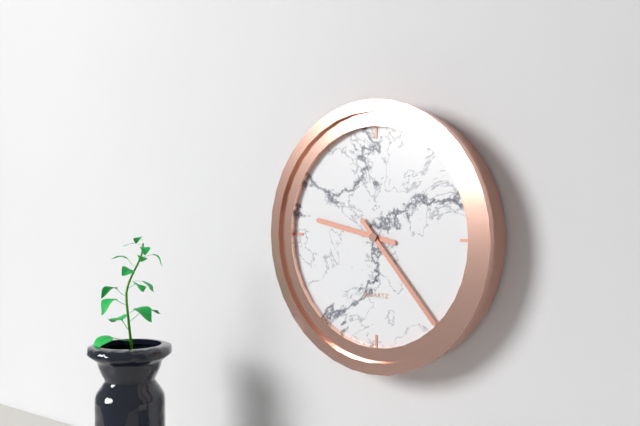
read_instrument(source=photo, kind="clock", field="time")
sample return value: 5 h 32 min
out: 9 h 23 min
